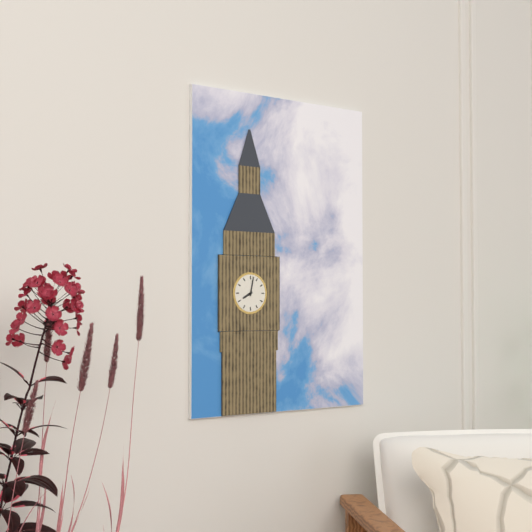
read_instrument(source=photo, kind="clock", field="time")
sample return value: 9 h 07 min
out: 8 h 02 min
